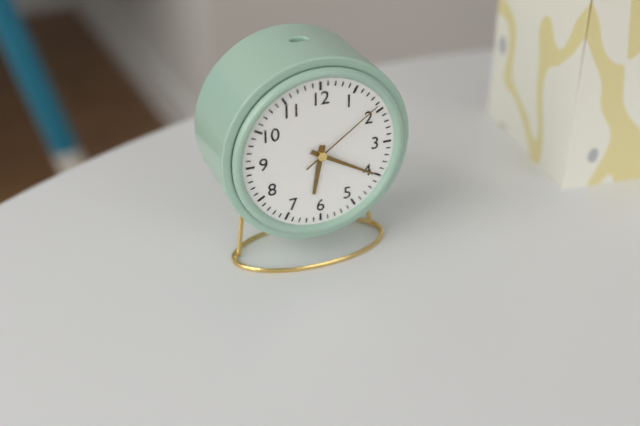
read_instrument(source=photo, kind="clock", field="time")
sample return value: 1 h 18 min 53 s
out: 6 h 20 min 09 s
